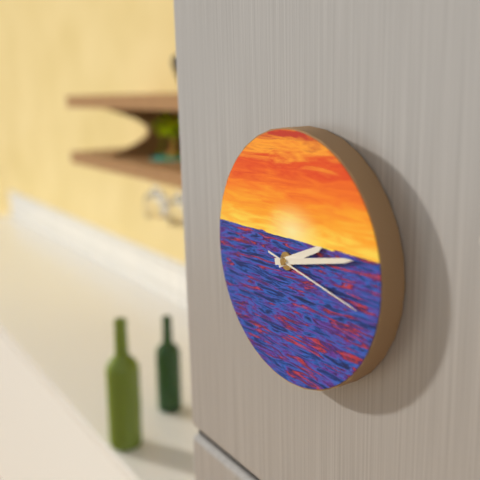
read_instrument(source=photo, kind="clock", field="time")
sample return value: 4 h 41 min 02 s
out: 2 h 13 min 17 s
